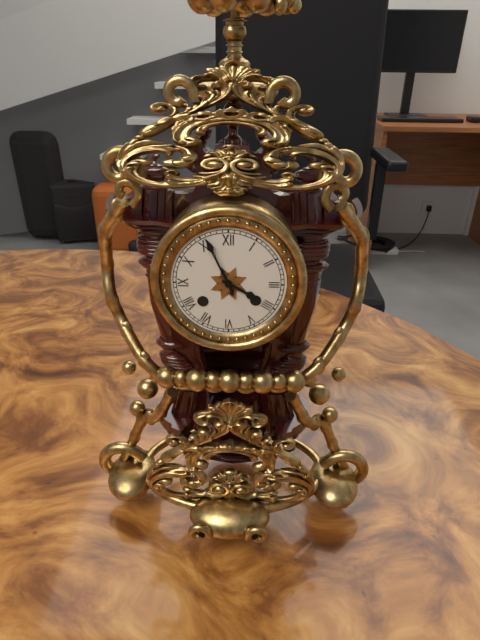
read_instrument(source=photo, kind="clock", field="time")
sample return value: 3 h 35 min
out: 3 h 56 min
